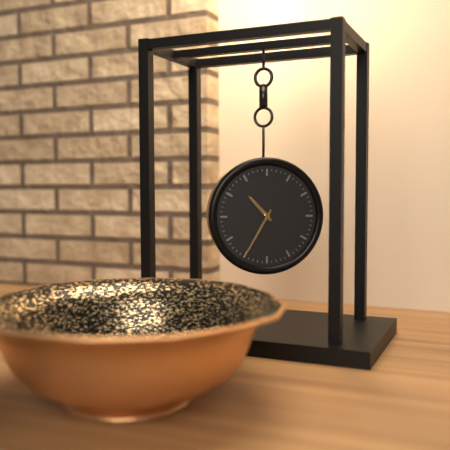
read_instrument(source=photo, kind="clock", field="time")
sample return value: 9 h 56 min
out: 10 h 35 min
